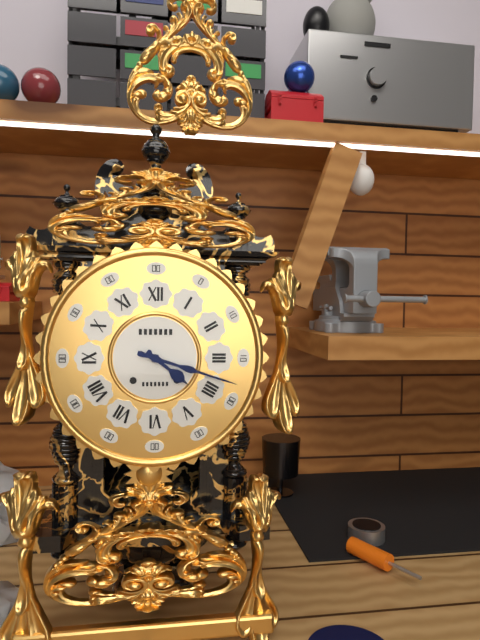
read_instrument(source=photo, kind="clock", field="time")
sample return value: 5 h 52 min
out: 4 h 18 min
